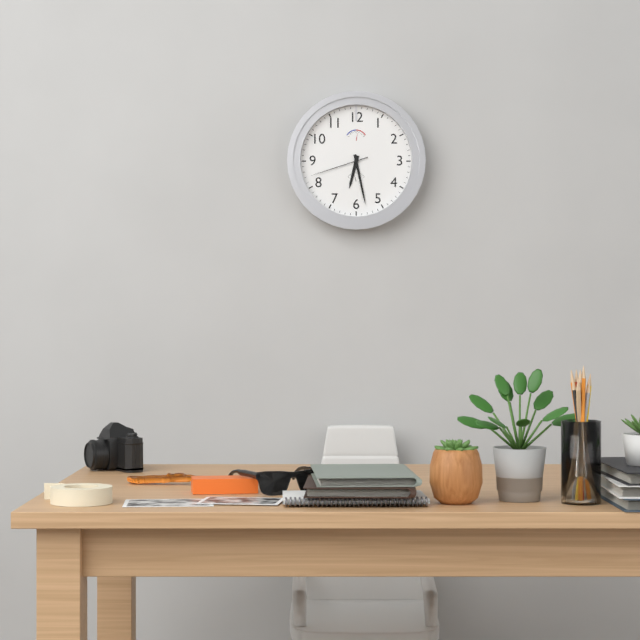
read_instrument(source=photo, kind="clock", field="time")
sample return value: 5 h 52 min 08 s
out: 6 h 28 min 42 s
